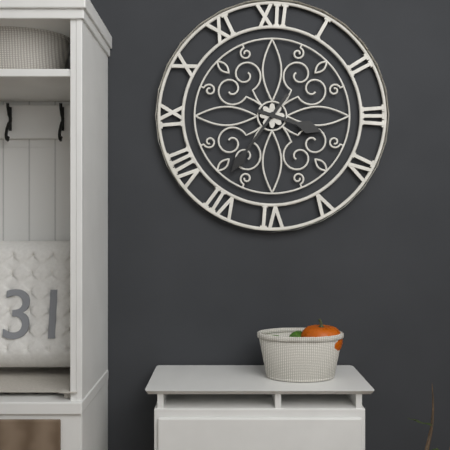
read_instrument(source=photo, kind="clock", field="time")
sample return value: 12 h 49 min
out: 3 h 36 min
